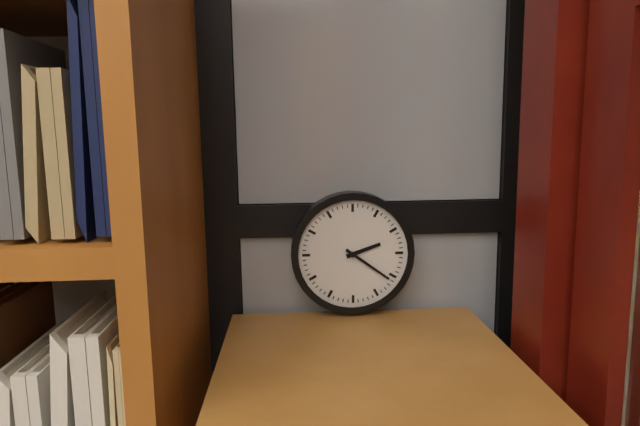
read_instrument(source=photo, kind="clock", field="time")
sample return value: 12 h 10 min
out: 2 h 21 min
